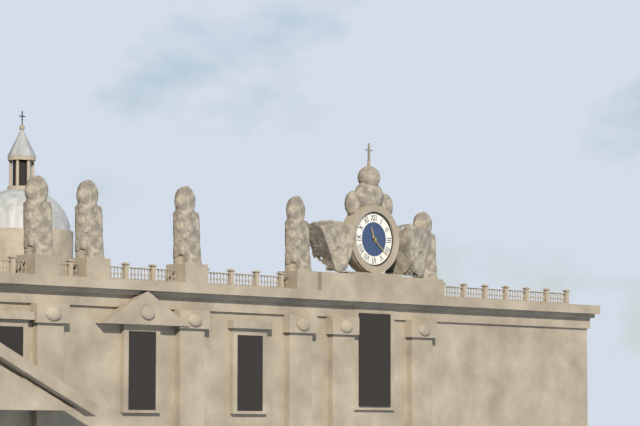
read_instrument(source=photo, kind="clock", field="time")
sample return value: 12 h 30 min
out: 11 h 22 min
